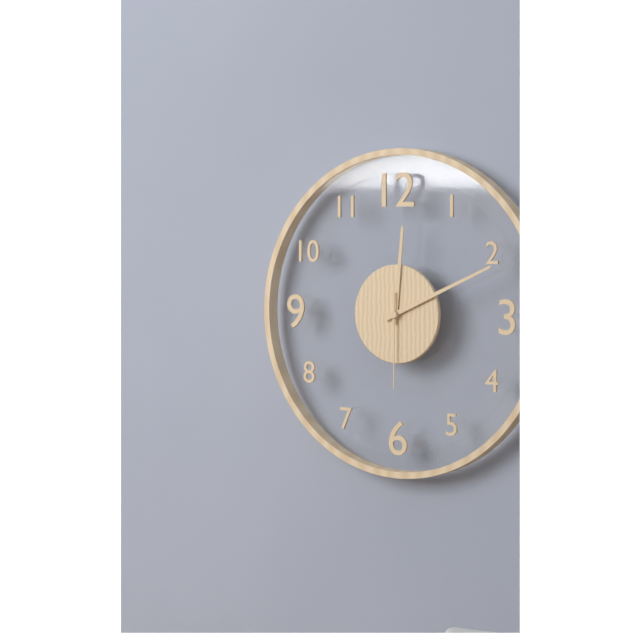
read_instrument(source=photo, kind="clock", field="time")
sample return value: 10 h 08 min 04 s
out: 12 h 11 min 30 s
